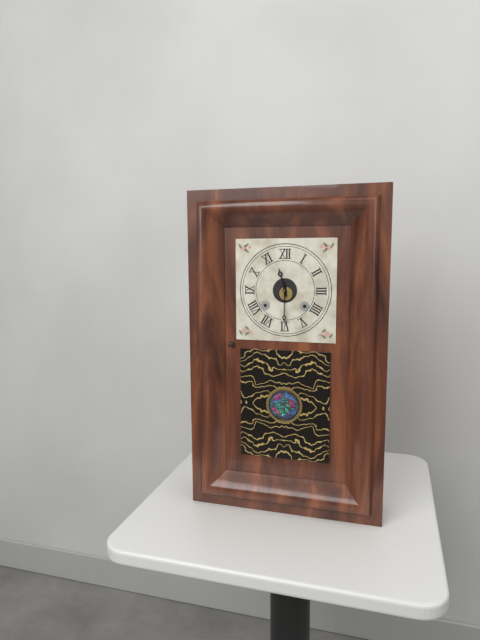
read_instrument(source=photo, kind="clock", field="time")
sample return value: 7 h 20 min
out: 11 h 30 min
